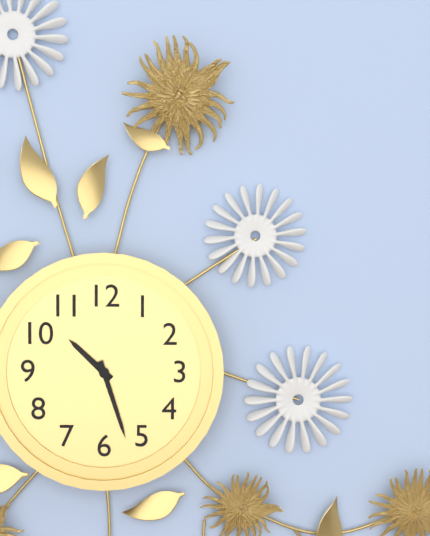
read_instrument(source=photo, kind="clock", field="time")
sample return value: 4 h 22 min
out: 10 h 27 min
